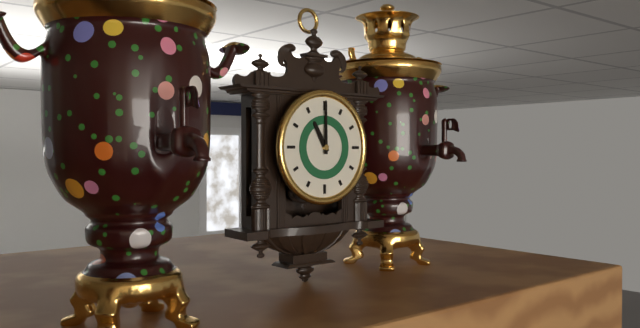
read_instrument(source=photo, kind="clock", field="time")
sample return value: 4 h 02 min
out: 11 h 00 min
